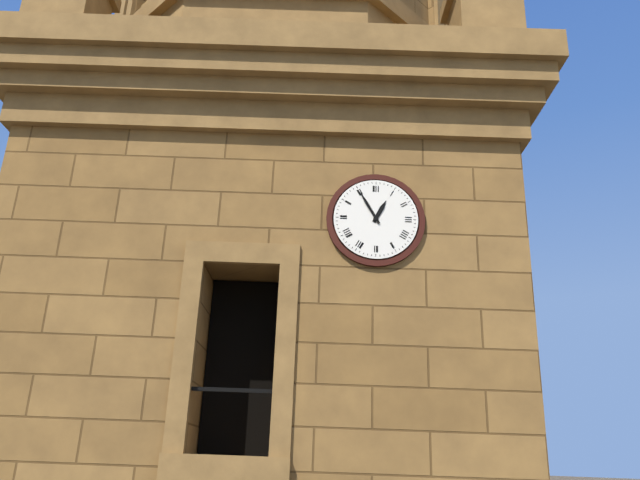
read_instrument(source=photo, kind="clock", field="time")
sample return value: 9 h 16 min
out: 12 h 55 min
